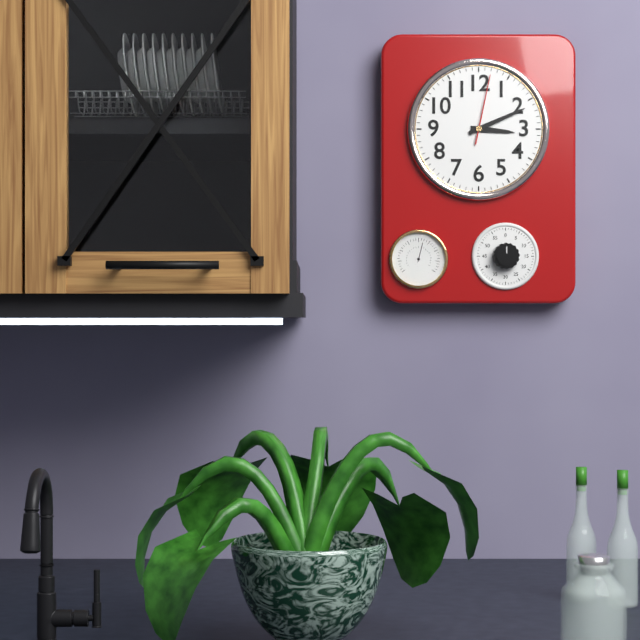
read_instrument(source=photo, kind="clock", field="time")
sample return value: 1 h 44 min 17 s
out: 3 h 11 min 02 s
